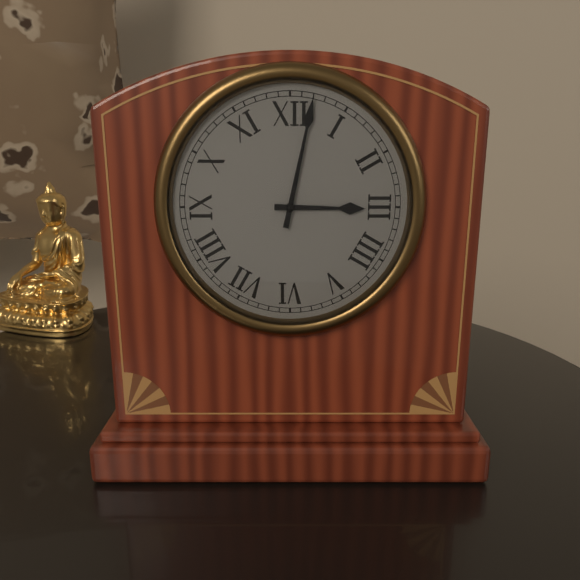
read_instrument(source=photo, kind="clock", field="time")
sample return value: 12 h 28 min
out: 3 h 02 min
